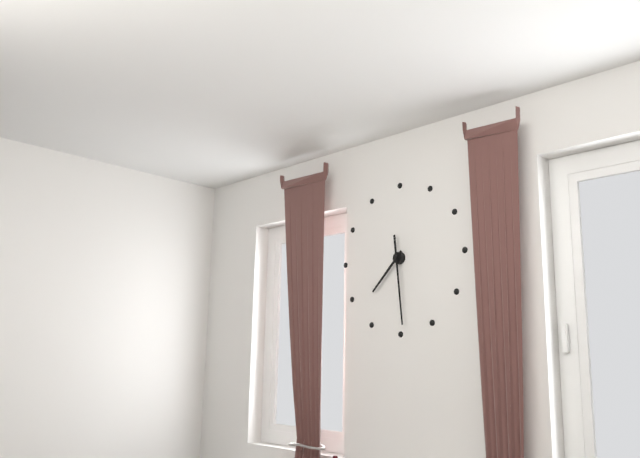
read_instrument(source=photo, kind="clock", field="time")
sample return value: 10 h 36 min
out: 7 h 29 min
